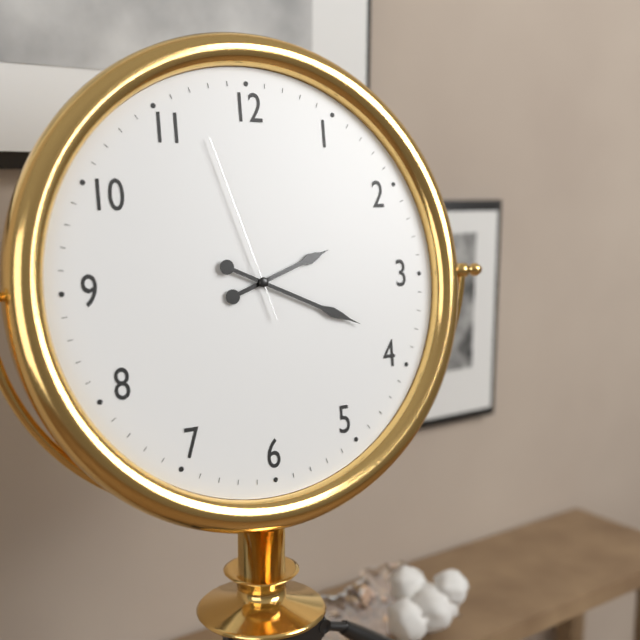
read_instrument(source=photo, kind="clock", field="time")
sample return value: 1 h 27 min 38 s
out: 2 h 19 min 57 s
